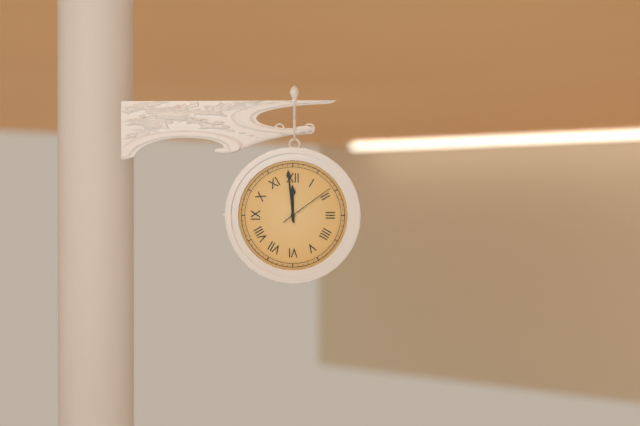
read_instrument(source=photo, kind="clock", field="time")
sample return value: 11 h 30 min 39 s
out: 11 h 59 min 09 s
